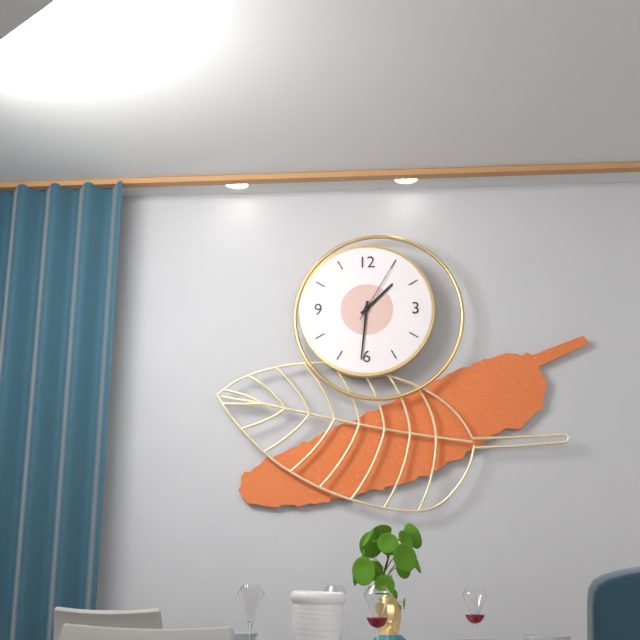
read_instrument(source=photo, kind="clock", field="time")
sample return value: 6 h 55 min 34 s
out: 1 h 31 min 05 s
